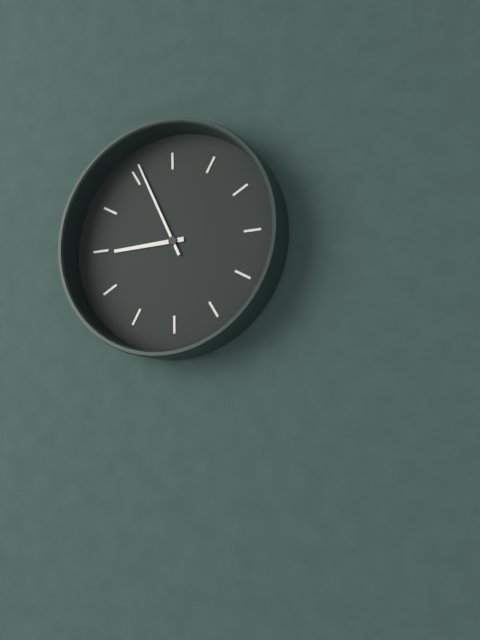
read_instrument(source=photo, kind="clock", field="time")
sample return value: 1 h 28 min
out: 8 h 56 min
